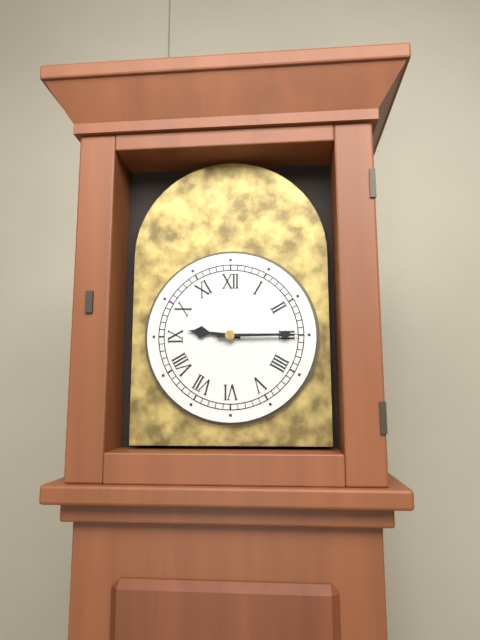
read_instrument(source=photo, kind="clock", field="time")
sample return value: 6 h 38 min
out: 9 h 15 min
